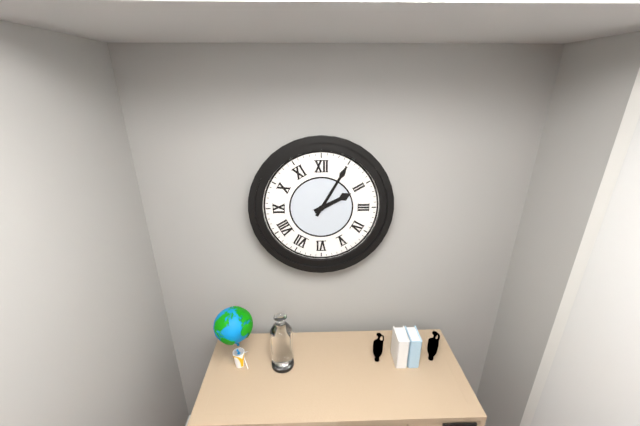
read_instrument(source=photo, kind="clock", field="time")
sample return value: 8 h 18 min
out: 2 h 05 min
